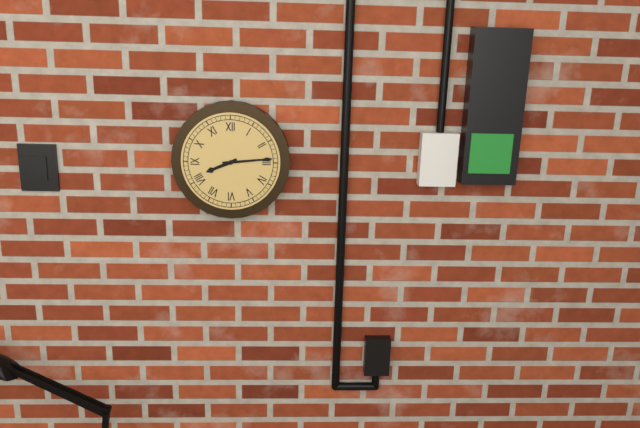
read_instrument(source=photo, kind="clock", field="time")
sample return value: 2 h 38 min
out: 8 h 14 min
